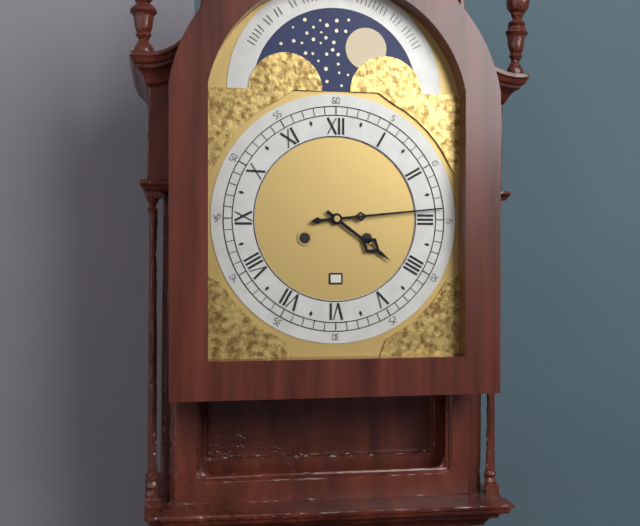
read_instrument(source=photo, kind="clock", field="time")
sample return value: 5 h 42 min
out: 4 h 14 min
